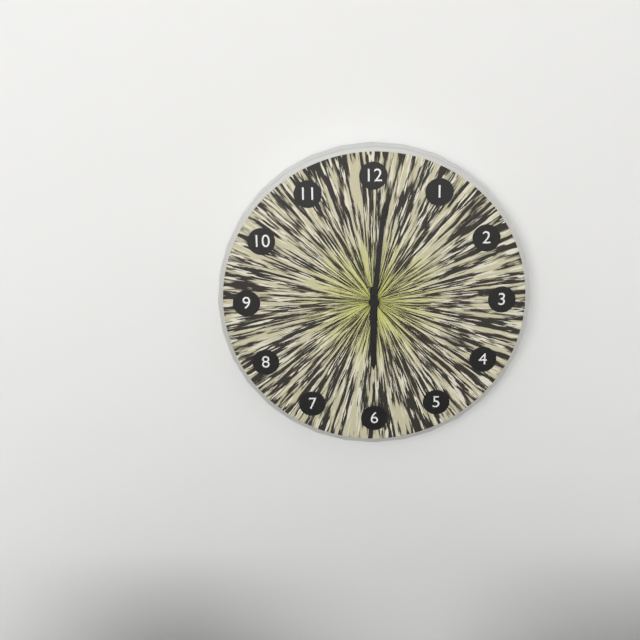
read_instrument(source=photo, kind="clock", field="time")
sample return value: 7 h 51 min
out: 6 h 01 min
